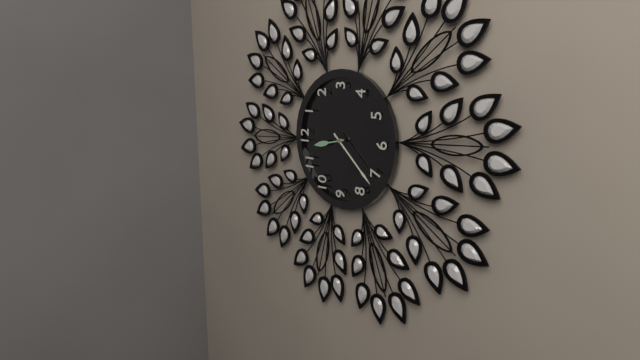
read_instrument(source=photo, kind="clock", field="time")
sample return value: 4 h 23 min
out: 11 h 37 min
